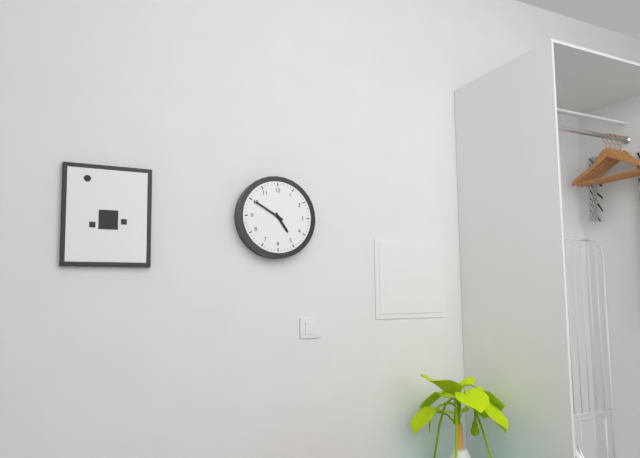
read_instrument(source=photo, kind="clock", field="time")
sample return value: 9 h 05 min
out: 4 h 50 min
